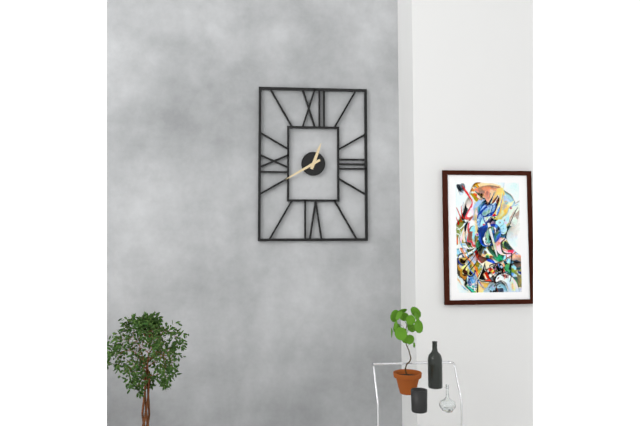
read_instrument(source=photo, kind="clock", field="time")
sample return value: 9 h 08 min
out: 12 h 40 min
